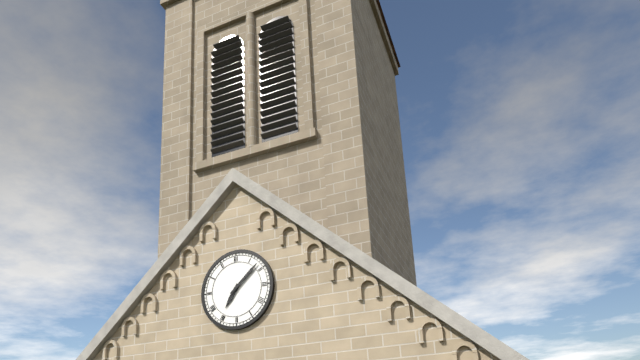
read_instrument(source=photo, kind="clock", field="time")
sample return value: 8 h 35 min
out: 7 h 08 min
